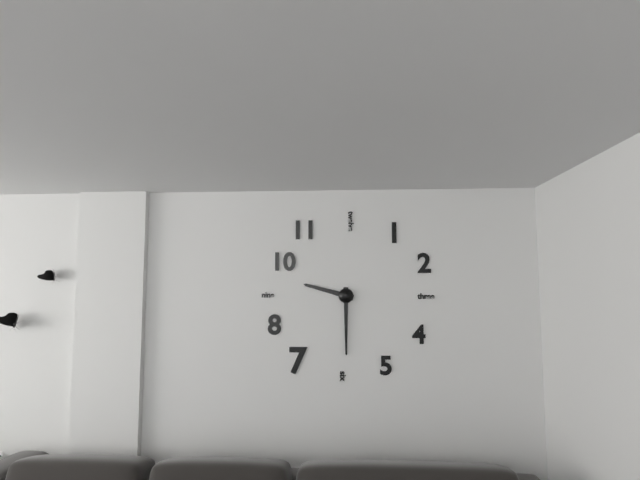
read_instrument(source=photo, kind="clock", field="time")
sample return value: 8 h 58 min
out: 9 h 30 min
